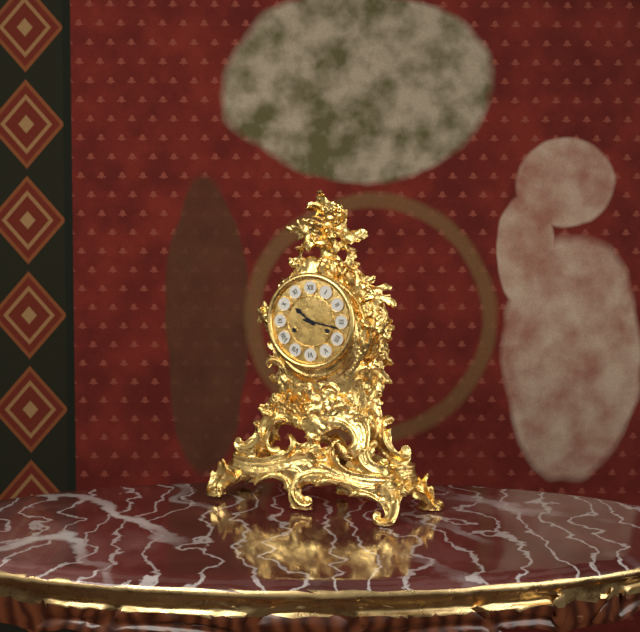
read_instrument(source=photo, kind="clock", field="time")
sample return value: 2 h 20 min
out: 10 h 17 min
